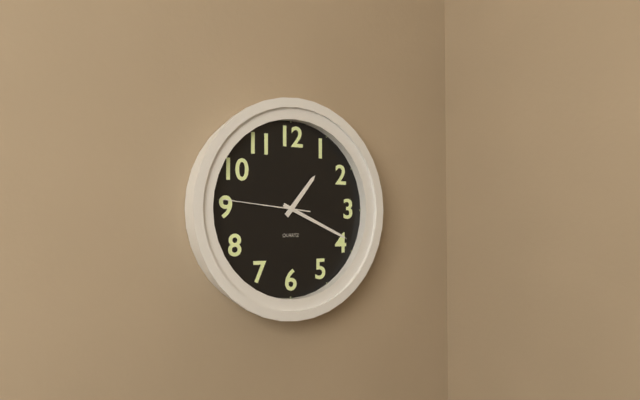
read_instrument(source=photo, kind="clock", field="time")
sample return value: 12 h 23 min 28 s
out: 1 h 19 min 46 s
